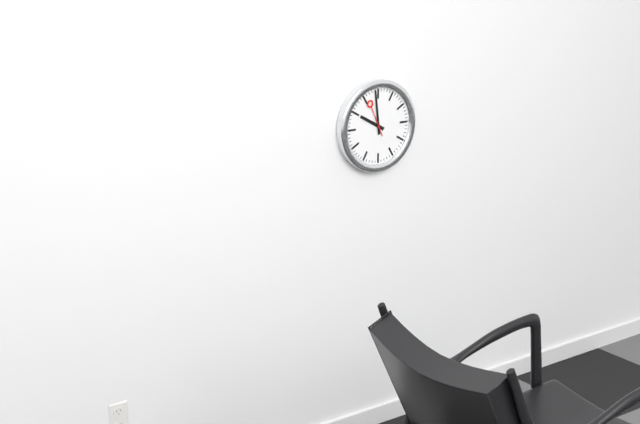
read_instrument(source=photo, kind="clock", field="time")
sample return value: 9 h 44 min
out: 9 h 59 min
